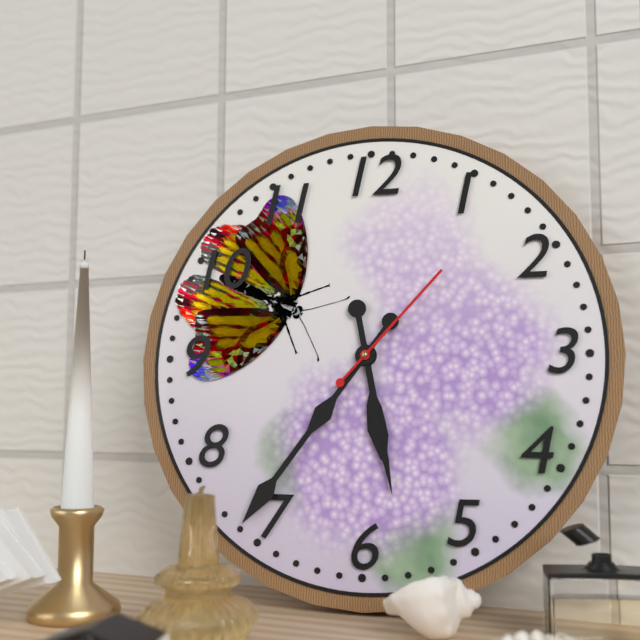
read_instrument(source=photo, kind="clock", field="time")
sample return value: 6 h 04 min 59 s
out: 5 h 36 min 07 s
